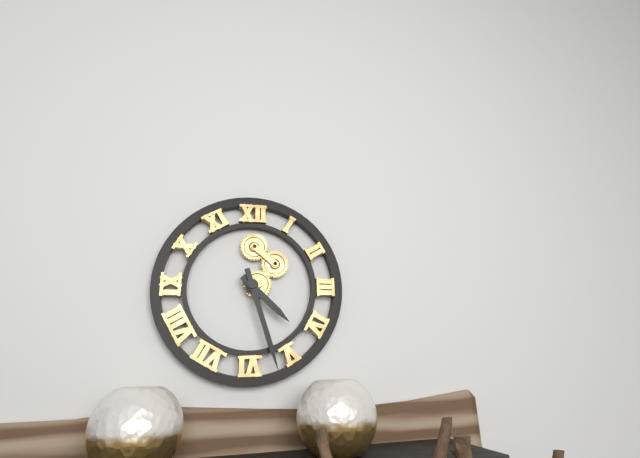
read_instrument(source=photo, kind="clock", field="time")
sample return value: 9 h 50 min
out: 4 h 27 min
